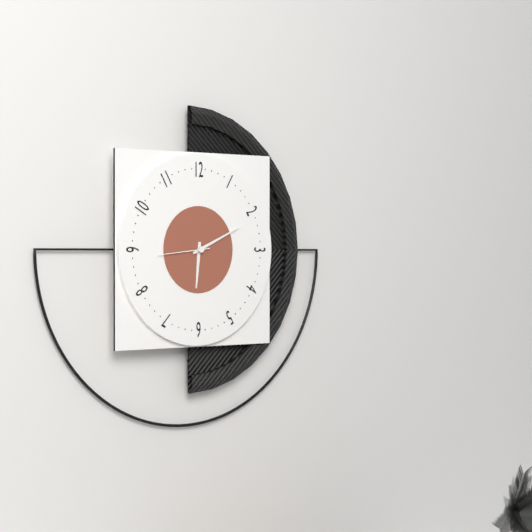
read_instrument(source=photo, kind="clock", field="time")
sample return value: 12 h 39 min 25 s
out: 6 h 11 min 44 s
